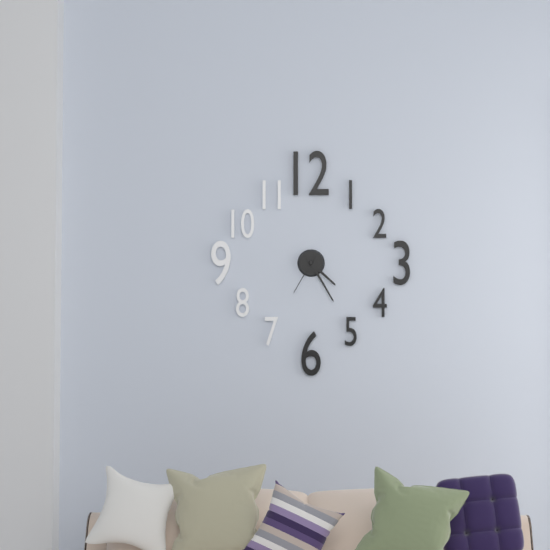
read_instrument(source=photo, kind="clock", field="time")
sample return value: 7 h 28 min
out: 4 h 25 min
